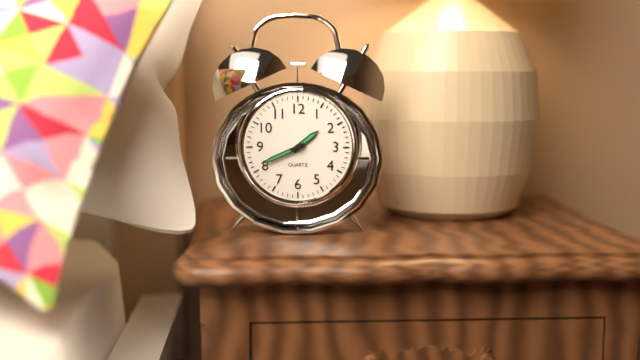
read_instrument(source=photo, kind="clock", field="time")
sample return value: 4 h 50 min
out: 1 h 41 min
